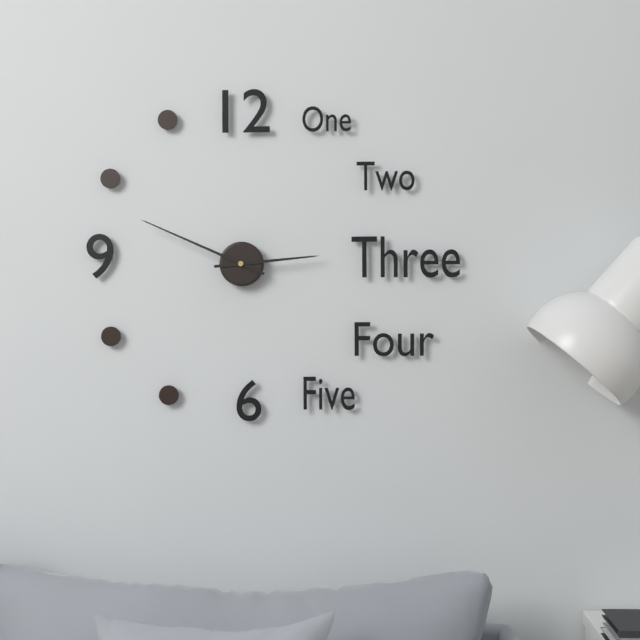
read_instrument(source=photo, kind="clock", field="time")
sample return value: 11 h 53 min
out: 2 h 49 min
